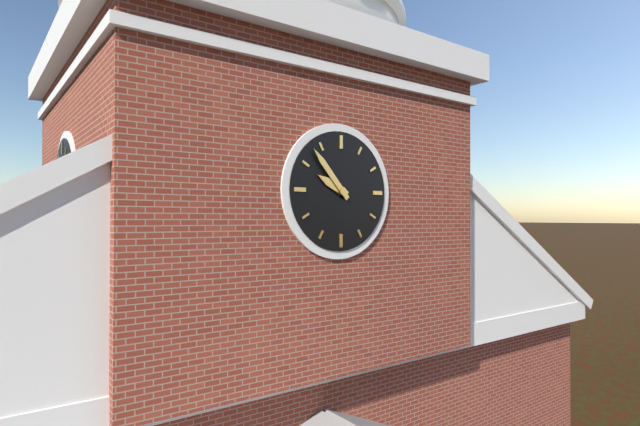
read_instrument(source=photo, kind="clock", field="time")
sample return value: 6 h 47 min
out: 9 h 53 min
